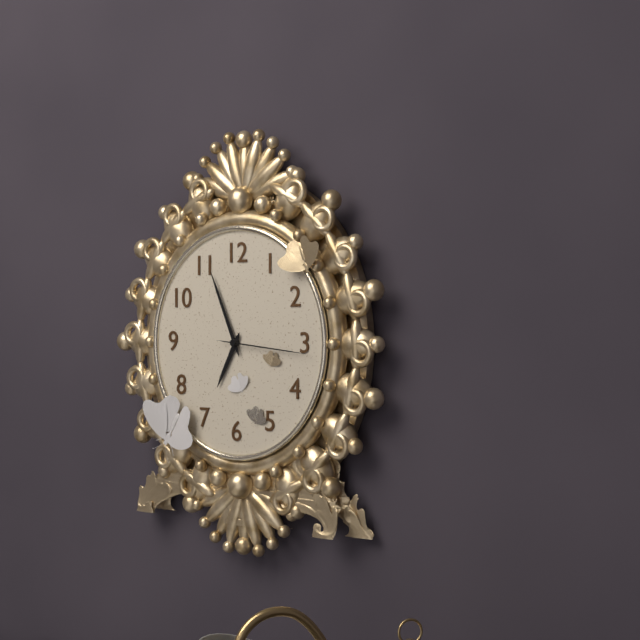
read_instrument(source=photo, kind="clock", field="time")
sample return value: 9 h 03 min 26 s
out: 6 h 56 min 16 s
